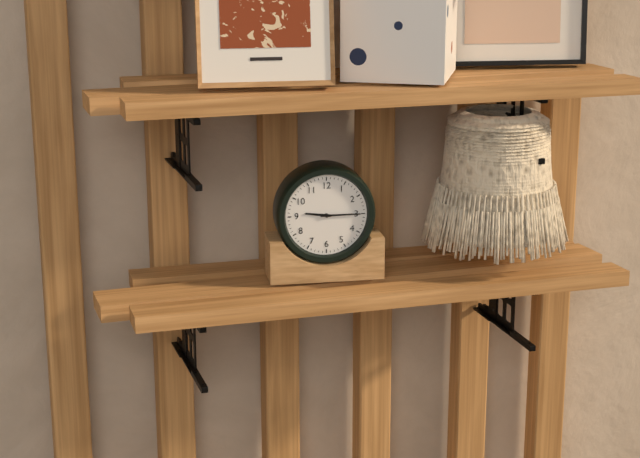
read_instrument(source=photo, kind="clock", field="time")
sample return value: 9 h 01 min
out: 9 h 15 min
